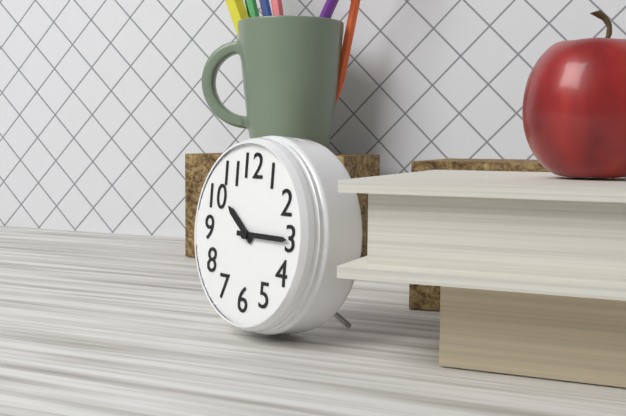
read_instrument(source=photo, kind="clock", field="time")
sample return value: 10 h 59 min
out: 10 h 15 min
